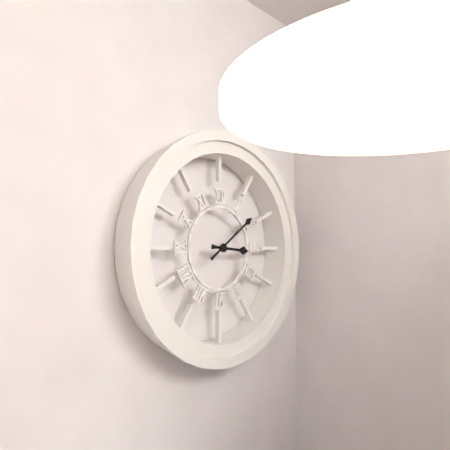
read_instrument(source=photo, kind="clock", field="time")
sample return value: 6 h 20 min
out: 3 h 09 min
